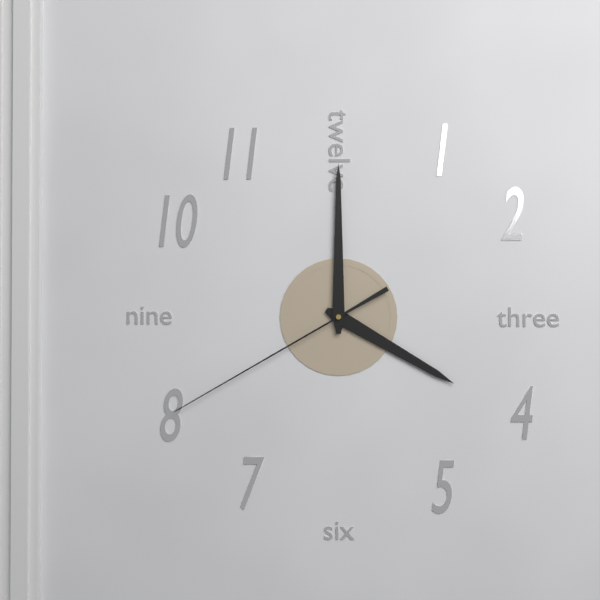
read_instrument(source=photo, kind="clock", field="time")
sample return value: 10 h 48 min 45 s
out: 4 h 00 min 40 s
